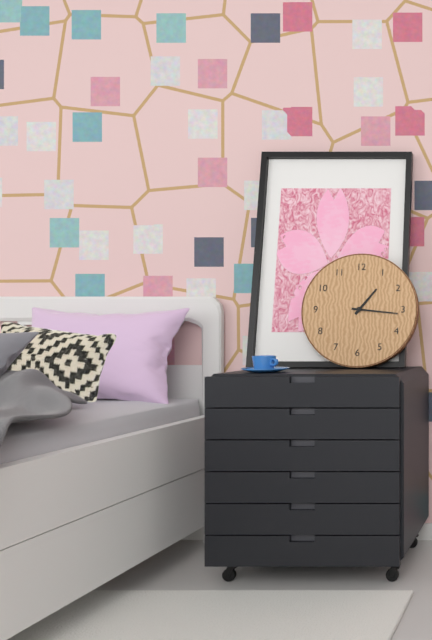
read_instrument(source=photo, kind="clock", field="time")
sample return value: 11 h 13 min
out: 1 h 16 min
